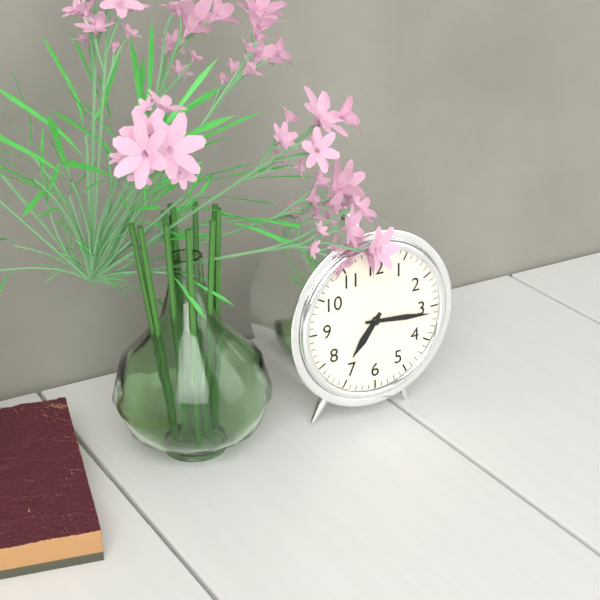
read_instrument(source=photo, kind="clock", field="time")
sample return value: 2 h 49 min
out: 7 h 16 min
